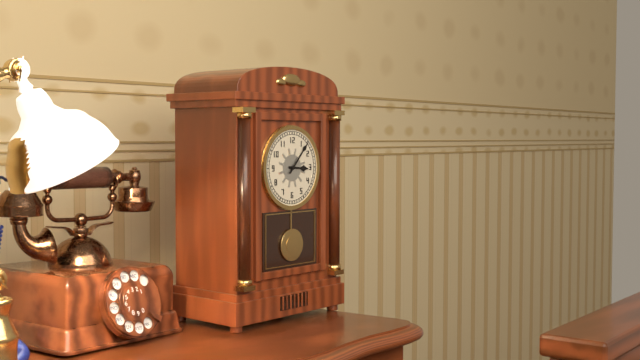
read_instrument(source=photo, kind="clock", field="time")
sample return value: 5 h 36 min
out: 3 h 07 min
